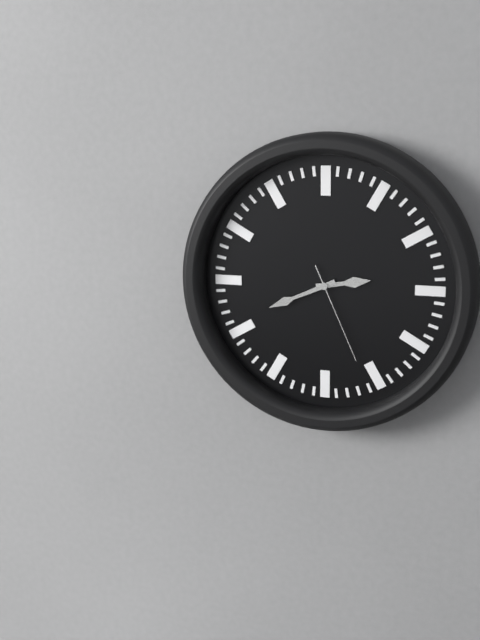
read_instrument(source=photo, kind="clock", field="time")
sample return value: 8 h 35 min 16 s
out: 2 h 41 min 26 s
